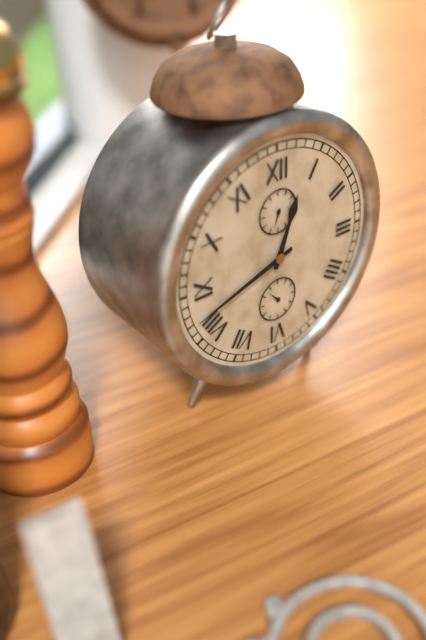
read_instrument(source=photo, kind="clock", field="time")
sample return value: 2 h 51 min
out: 12 h 42 min
